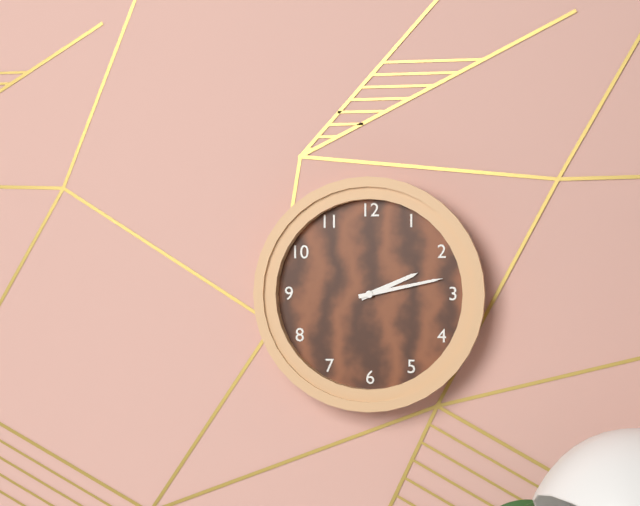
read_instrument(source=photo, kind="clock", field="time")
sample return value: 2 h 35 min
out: 2 h 13 min
